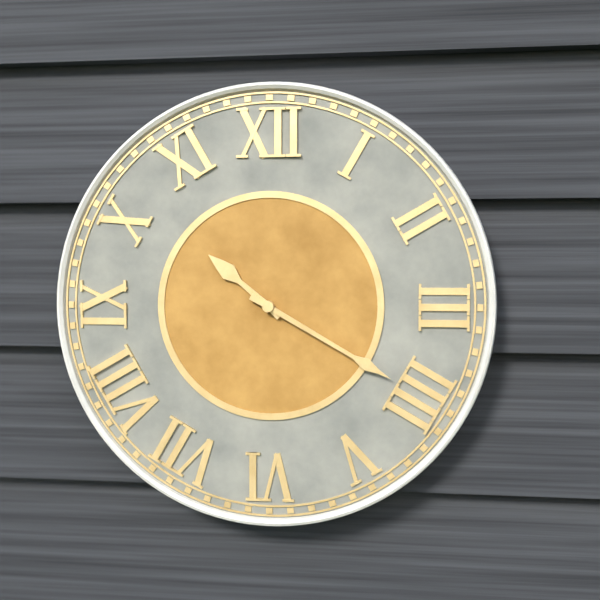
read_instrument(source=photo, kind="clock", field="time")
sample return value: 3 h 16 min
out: 10 h 20 min
